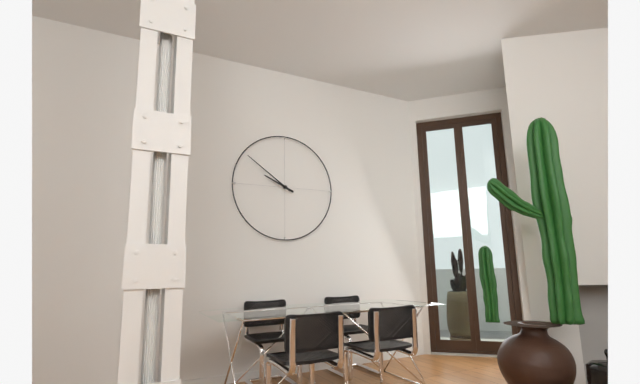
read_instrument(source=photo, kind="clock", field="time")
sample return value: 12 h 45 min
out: 9 h 51 min
